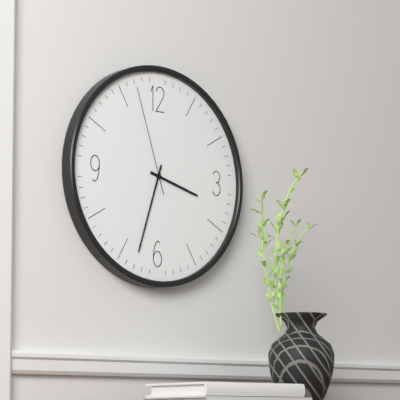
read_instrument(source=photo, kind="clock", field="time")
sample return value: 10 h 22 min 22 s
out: 3 h 33 min 57 s
